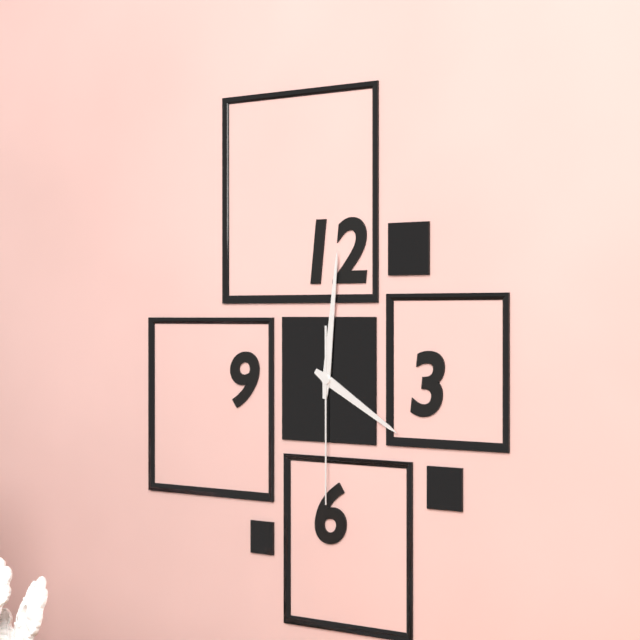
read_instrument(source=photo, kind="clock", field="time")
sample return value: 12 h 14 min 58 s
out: 4 h 01 min 30 s
